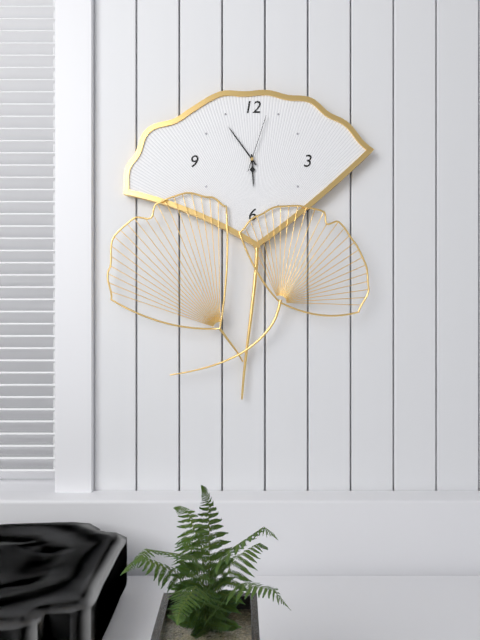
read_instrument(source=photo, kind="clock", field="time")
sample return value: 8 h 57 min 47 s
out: 5 h 54 min 03 s
